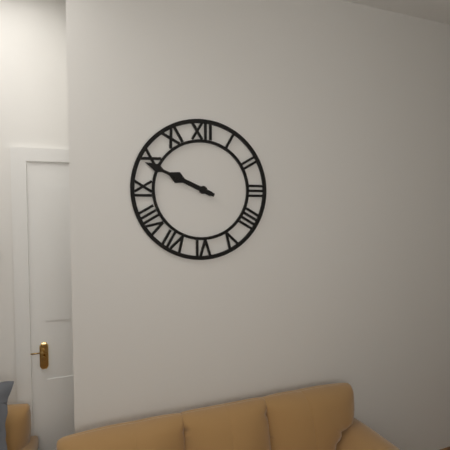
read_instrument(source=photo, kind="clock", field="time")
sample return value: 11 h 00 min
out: 9 h 49 min
